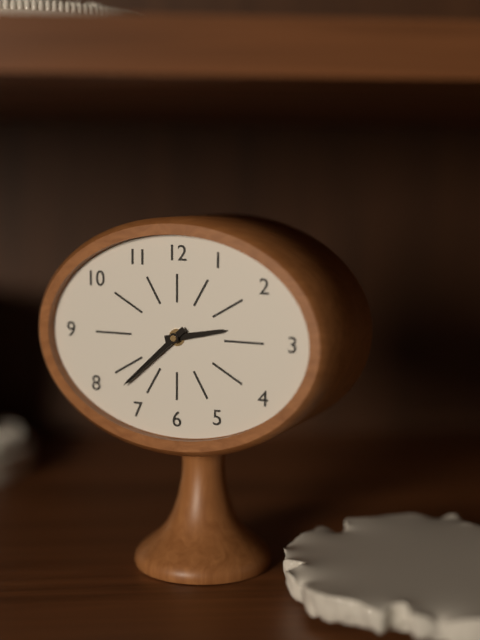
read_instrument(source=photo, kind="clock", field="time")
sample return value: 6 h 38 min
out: 2 h 38 min
